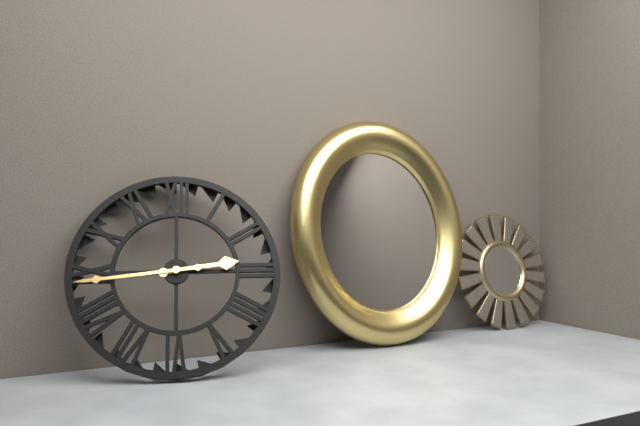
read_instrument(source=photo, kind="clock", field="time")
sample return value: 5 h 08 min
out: 2 h 44 min
